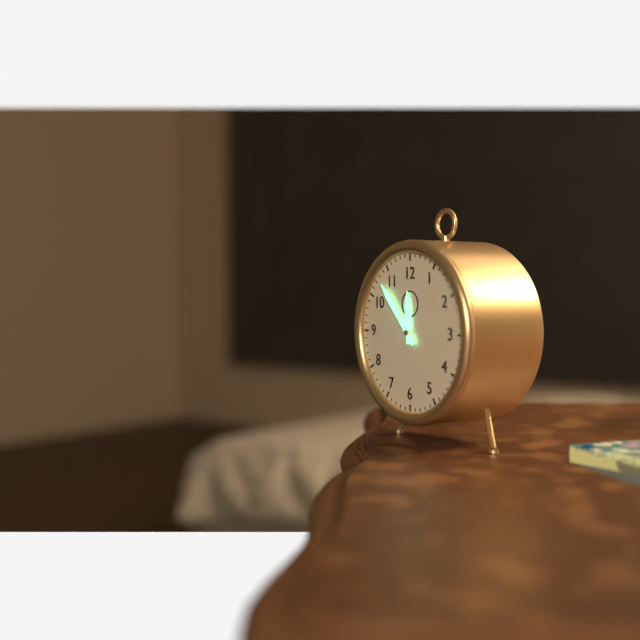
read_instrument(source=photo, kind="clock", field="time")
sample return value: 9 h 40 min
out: 11 h 53 min
